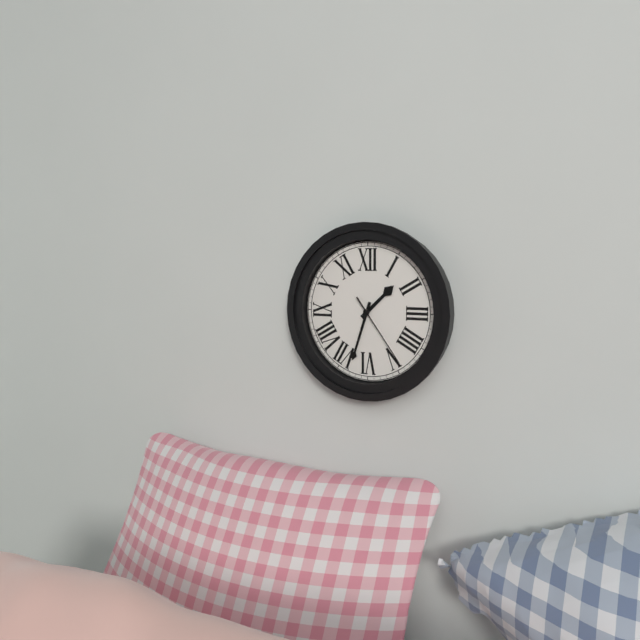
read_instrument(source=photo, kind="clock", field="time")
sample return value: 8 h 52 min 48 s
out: 1 h 33 min 24 s
